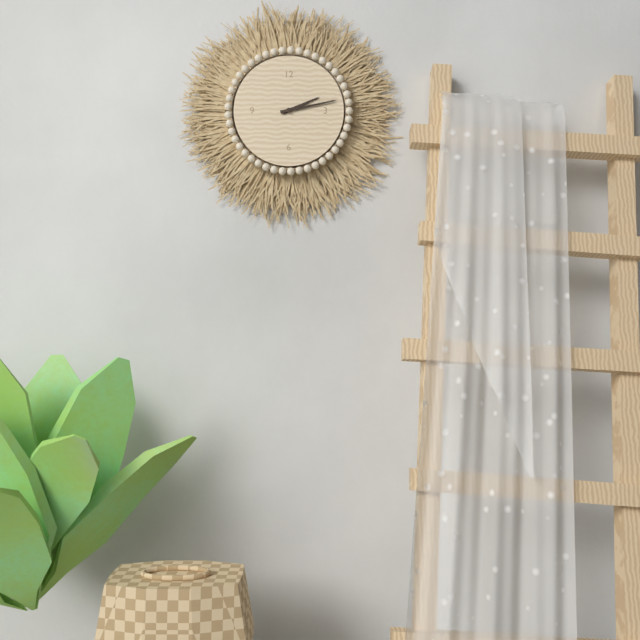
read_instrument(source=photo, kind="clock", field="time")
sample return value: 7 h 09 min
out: 2 h 13 min
